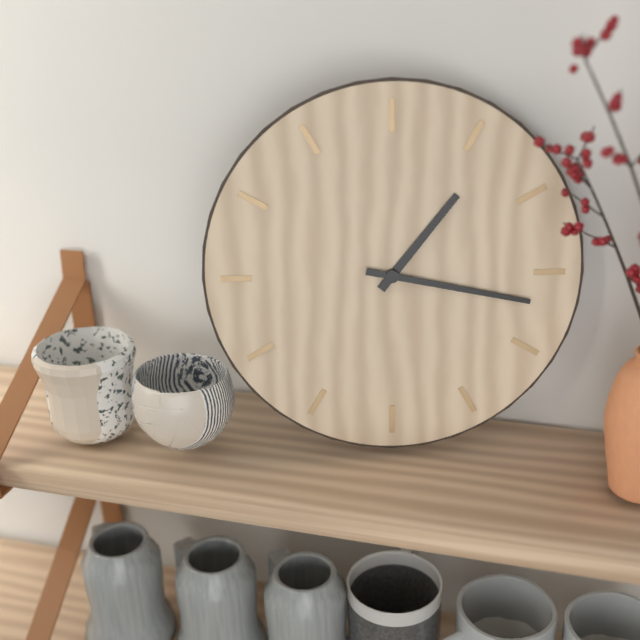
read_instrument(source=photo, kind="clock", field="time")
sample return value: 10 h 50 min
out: 1 h 17 min
